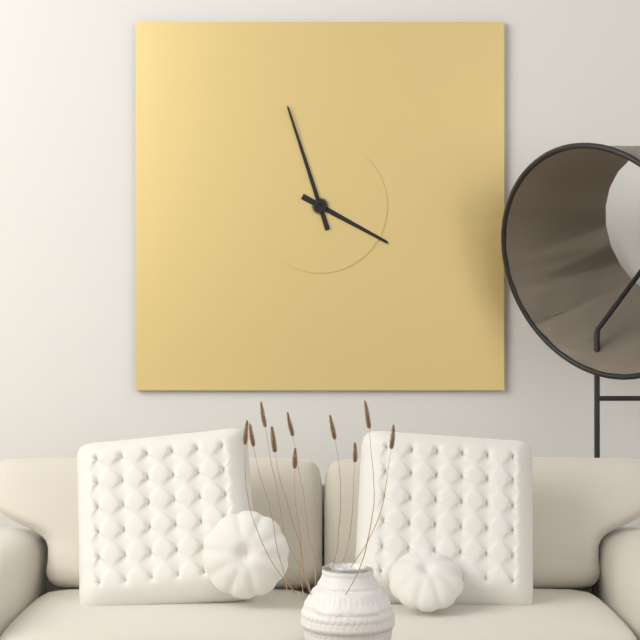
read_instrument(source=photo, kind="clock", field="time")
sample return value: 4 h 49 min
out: 3 h 57 min
